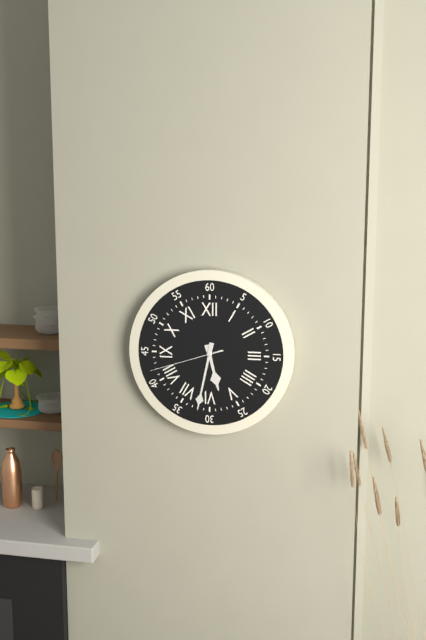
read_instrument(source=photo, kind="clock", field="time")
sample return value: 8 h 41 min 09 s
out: 5 h 32 min 42 s
